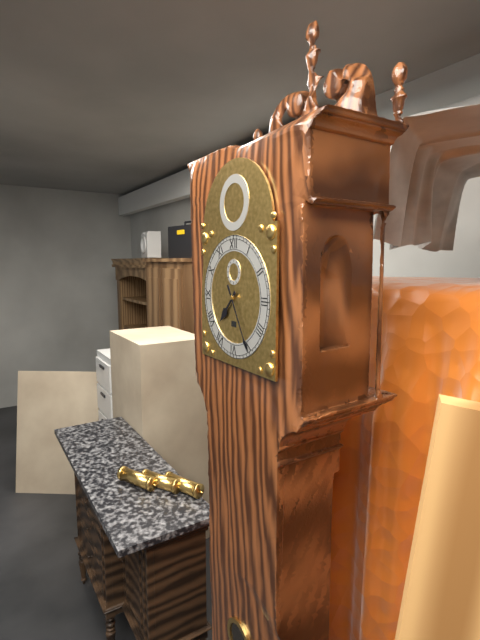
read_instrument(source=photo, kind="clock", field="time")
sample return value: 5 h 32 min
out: 7 h 25 min
